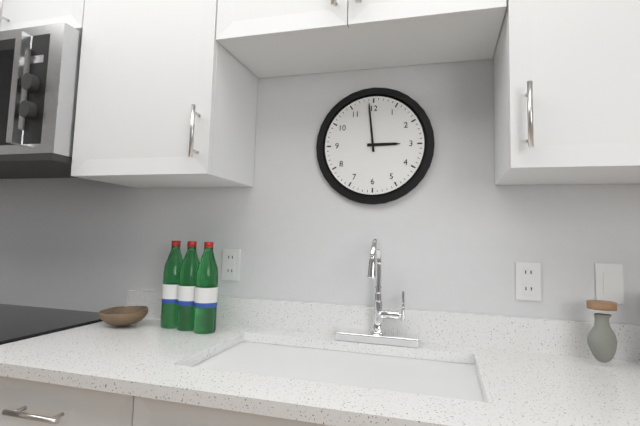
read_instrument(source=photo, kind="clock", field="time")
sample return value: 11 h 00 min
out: 2 h 59 min
